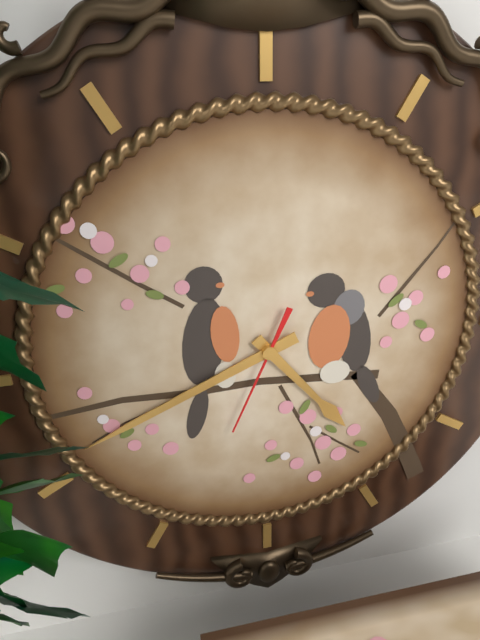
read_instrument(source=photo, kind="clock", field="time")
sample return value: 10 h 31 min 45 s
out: 4 h 41 min 34 s
